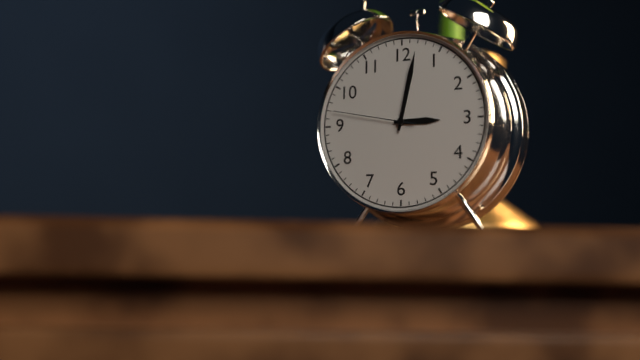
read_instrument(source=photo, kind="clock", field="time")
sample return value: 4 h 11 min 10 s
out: 3 h 02 min 47 s
